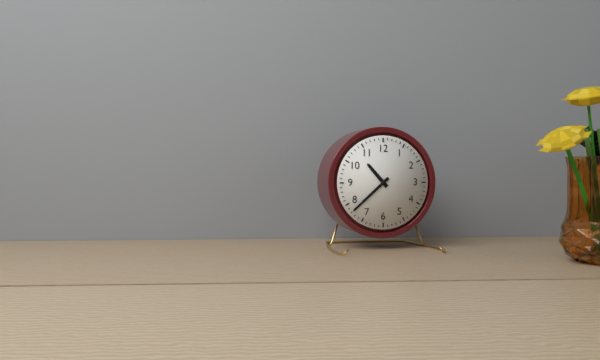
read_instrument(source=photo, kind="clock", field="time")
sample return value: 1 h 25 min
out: 10 h 38 min
